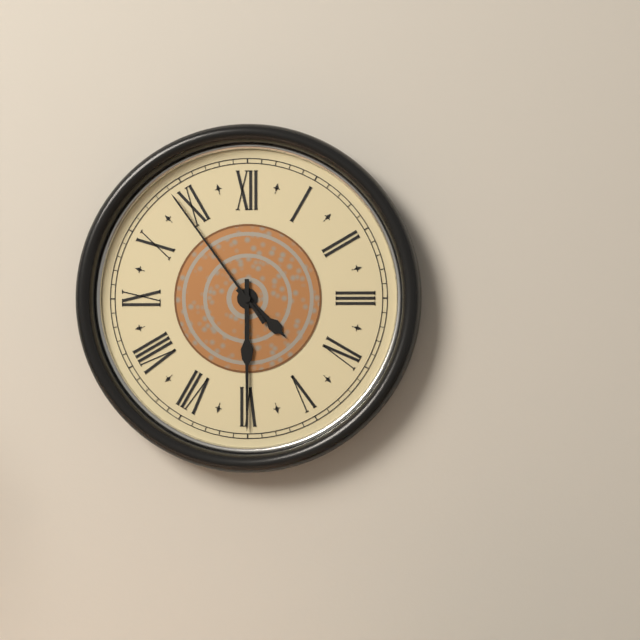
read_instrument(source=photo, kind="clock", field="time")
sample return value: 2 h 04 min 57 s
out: 4 h 30 min 54 s
